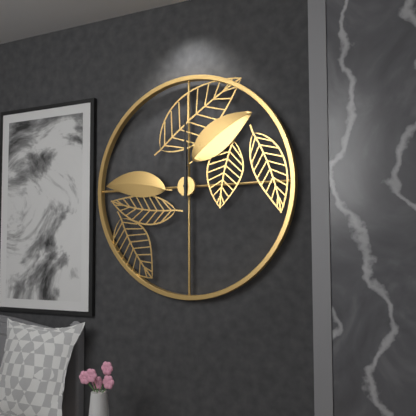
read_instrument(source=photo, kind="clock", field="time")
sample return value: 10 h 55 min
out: 12 h 00 min
